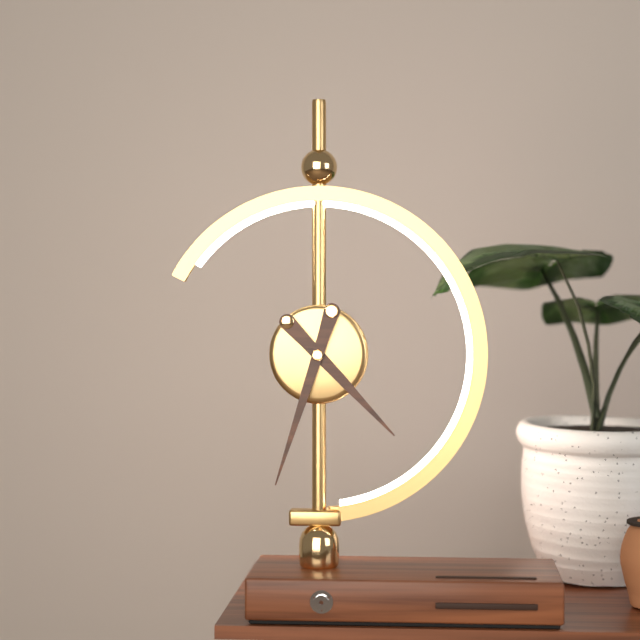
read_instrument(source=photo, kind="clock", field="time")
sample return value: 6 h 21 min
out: 4 h 33 min
